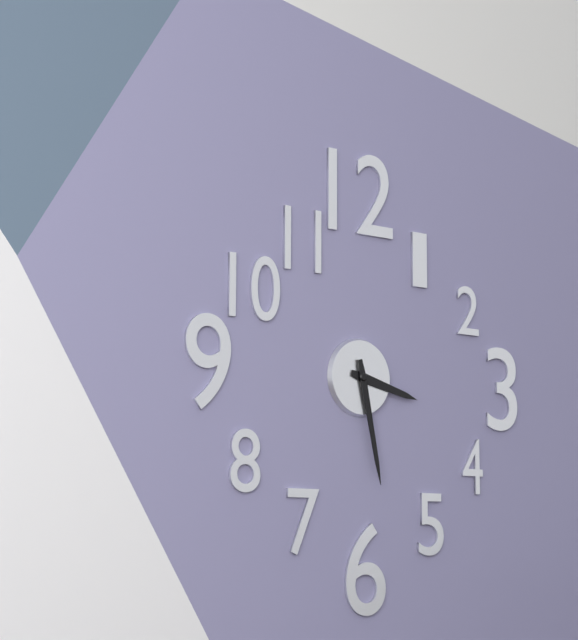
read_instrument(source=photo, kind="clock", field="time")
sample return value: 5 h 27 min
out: 3 h 28 min
